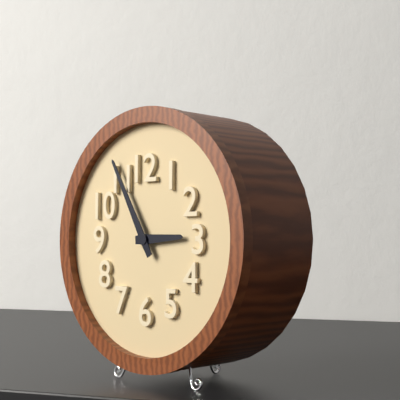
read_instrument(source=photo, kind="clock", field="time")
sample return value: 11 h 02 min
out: 2 h 55 min
